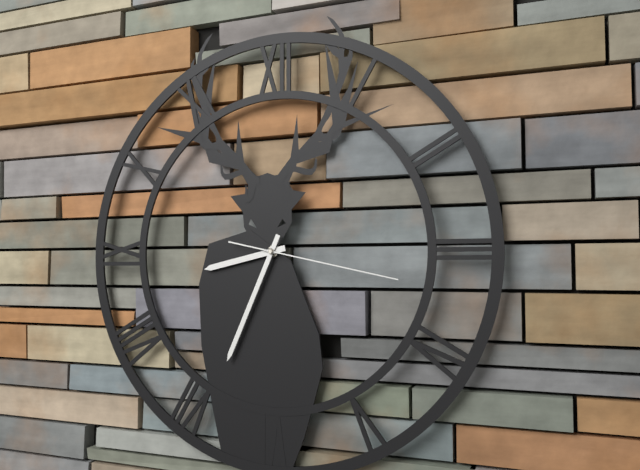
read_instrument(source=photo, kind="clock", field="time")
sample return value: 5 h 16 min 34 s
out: 8 h 34 min 17 s
